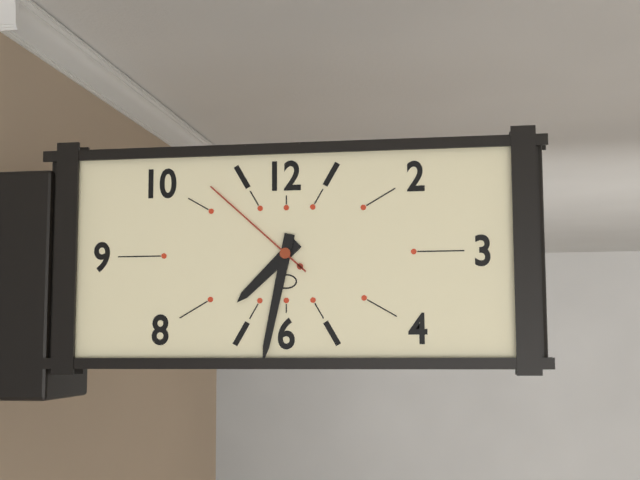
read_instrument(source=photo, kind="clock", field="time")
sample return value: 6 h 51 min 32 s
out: 7 h 32 min 52 s
